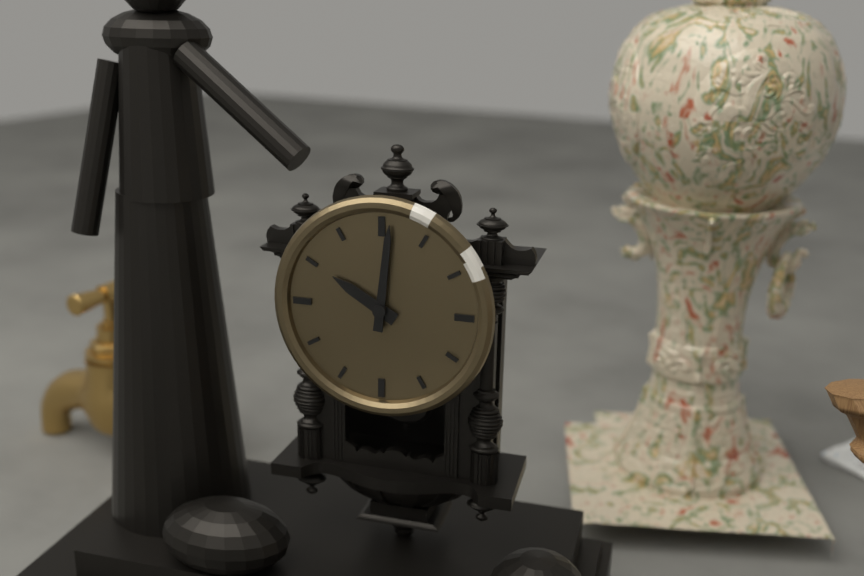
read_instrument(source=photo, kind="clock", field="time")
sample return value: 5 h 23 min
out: 10 h 01 min
